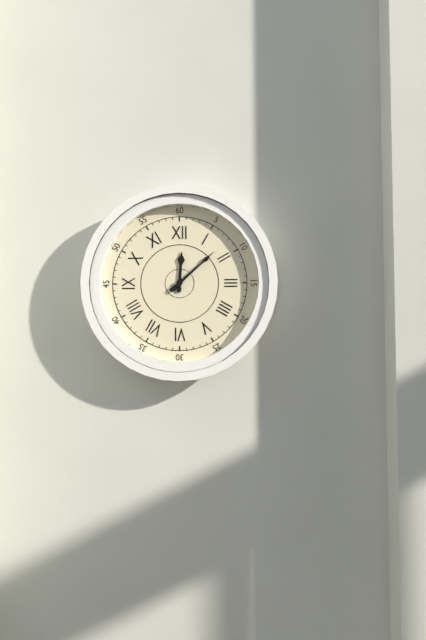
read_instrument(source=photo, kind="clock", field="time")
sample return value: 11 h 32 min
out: 12 h 08 min
